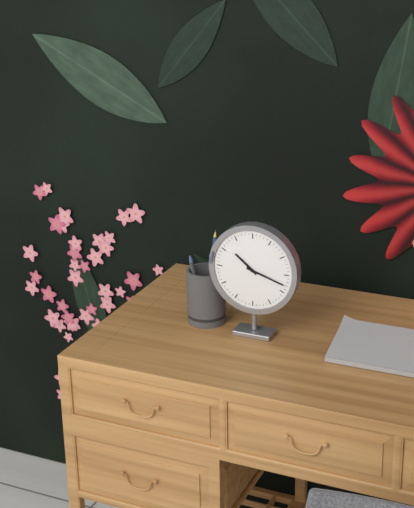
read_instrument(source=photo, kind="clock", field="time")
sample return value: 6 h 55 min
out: 10 h 18 min
